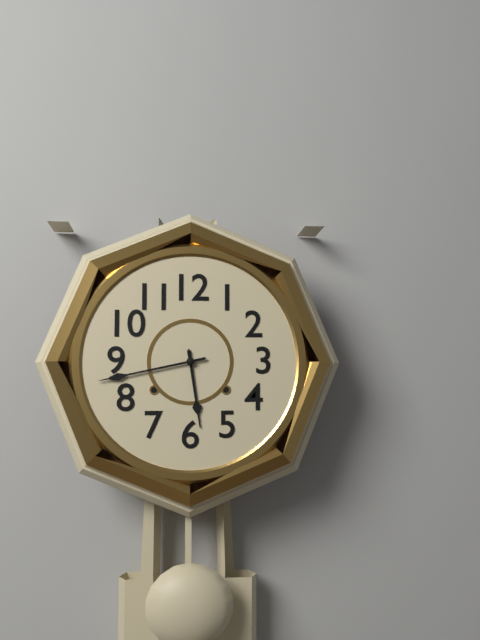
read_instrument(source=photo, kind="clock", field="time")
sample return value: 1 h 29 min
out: 5 h 43 min
